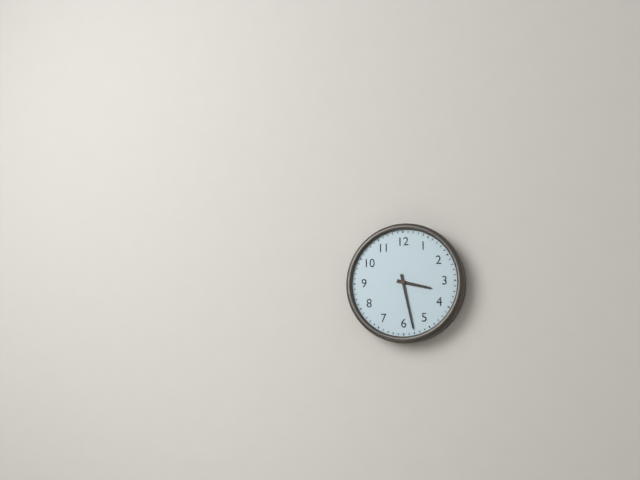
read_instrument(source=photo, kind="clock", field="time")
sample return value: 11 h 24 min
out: 3 h 28 min
